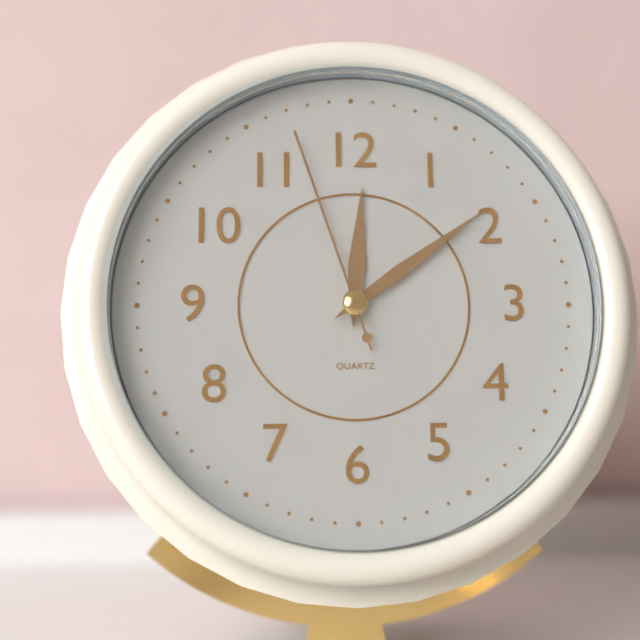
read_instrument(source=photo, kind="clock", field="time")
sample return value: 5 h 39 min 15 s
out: 12 h 09 min 57 s
